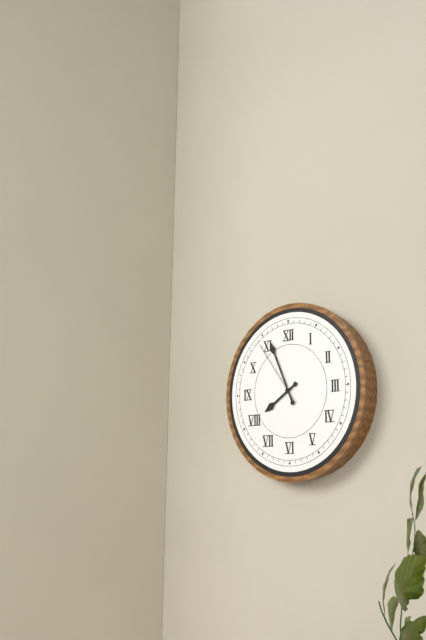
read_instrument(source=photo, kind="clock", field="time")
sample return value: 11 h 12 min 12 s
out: 7 h 56 min 54 s
